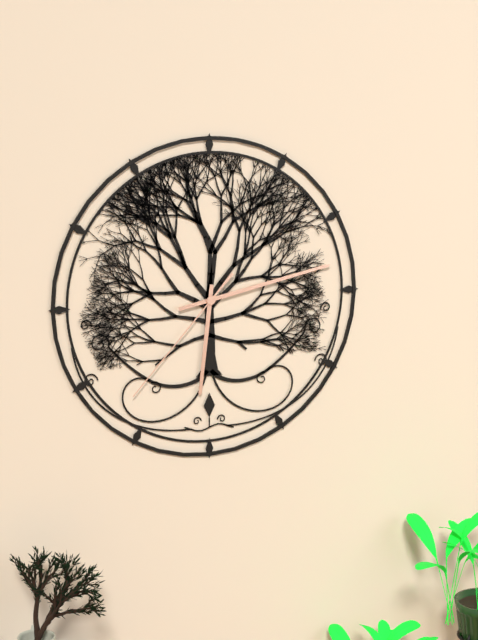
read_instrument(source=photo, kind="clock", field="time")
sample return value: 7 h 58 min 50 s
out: 6 h 13 min 37 s
